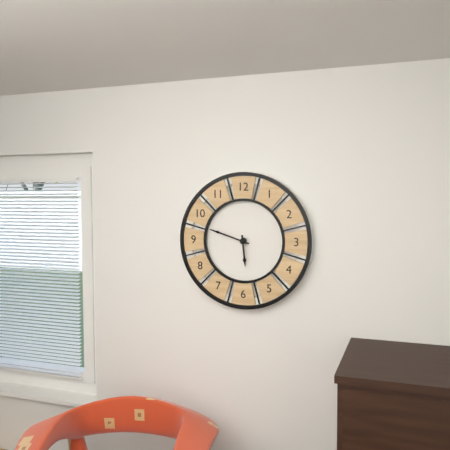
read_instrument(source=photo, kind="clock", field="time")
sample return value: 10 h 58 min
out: 5 h 48 min
